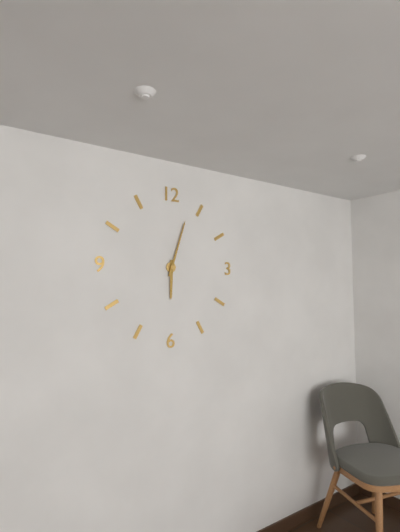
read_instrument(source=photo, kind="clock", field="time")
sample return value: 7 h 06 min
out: 6 h 03 min
